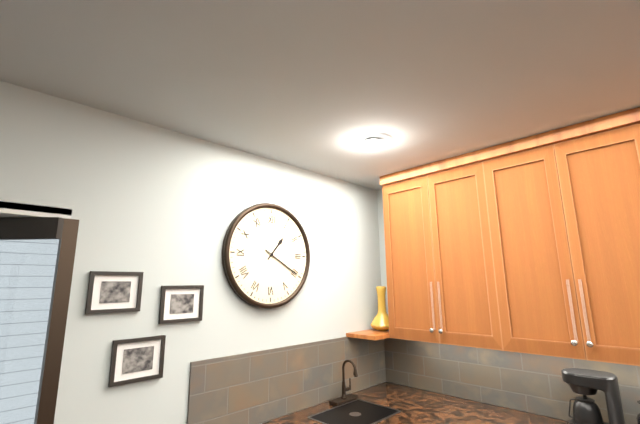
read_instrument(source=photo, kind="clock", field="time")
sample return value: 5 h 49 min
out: 1 h 20 min
